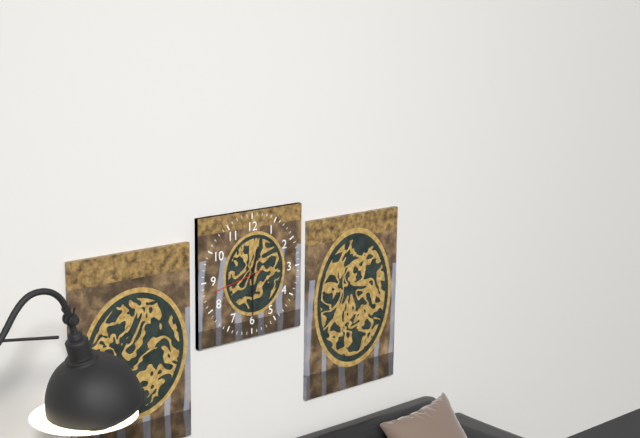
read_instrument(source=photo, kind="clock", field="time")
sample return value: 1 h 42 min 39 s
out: 12 h 30 min 43 s
